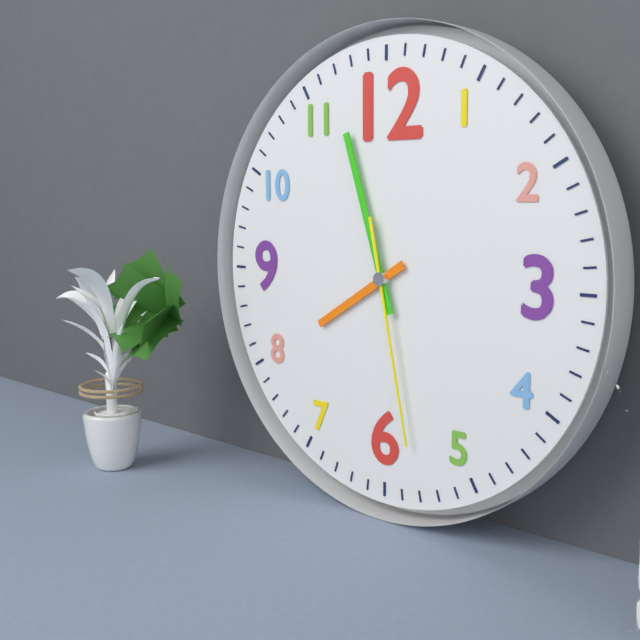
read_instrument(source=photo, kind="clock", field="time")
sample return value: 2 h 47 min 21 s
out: 7 h 57 min 28 s
